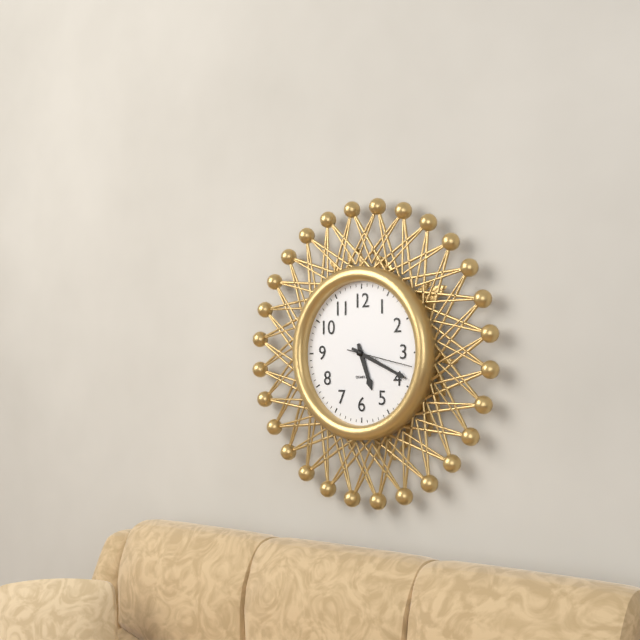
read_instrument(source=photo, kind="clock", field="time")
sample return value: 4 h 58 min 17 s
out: 5 h 19 min 17 s
